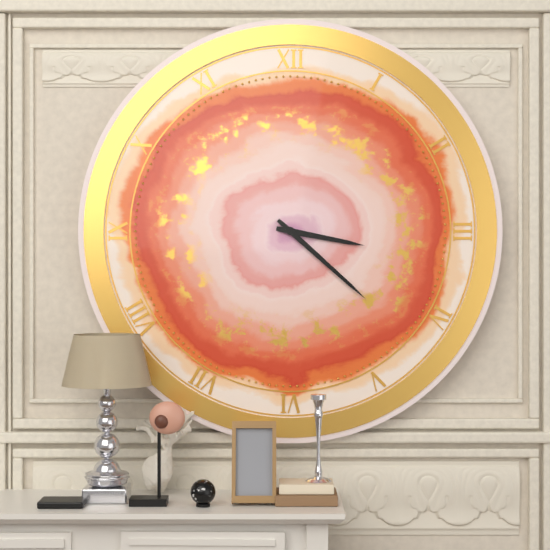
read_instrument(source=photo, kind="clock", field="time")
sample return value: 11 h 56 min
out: 3 h 22 min
